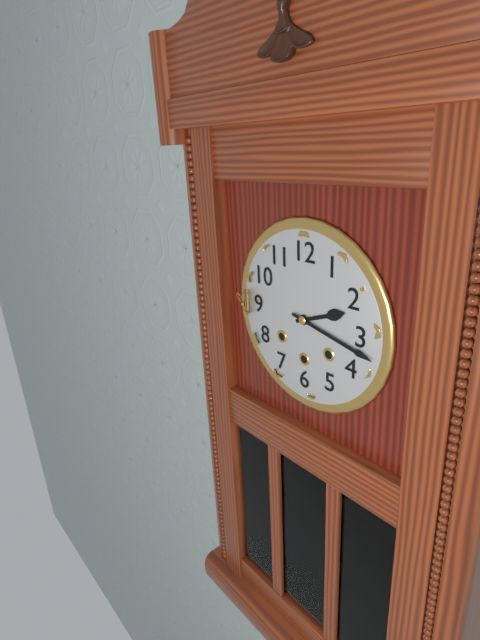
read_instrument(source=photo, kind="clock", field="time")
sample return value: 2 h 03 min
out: 2 h 17 min
